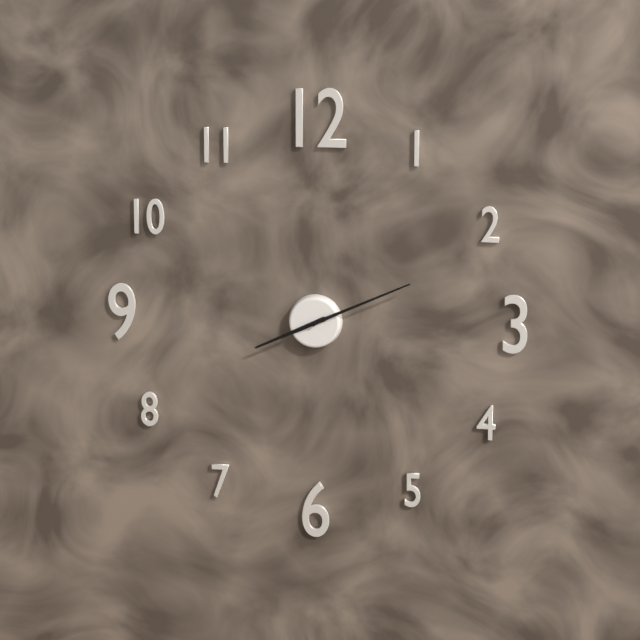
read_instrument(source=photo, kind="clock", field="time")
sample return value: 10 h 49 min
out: 8 h 11 min
